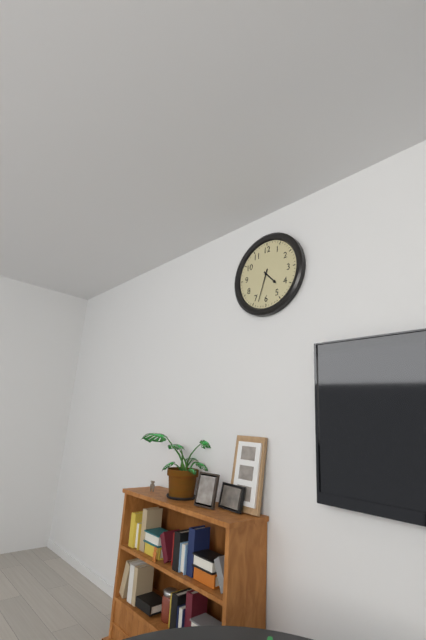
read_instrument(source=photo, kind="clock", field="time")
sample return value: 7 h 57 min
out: 4 h 33 min
